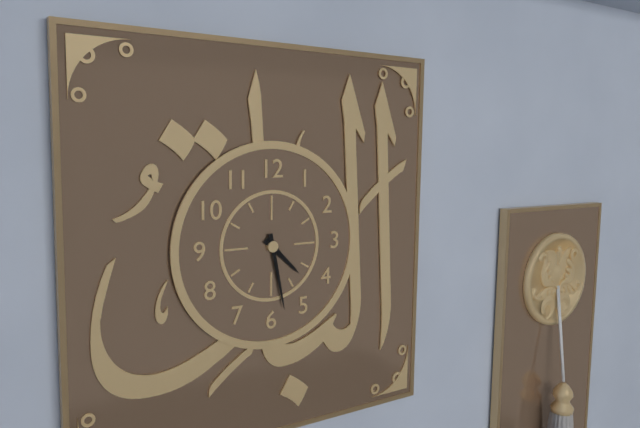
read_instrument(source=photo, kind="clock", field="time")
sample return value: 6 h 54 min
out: 4 h 28 min
